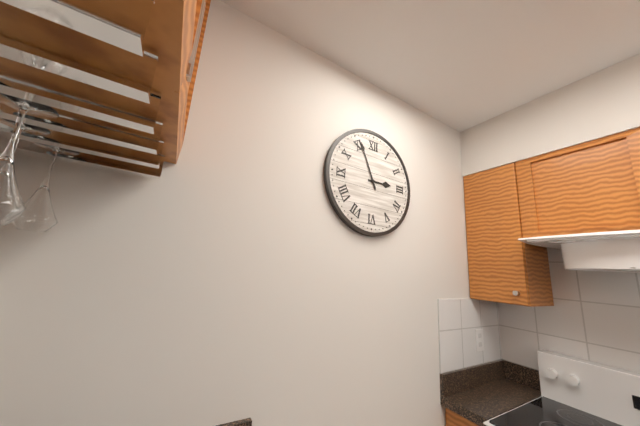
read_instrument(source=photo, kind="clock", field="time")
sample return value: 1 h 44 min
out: 2 h 56 min
